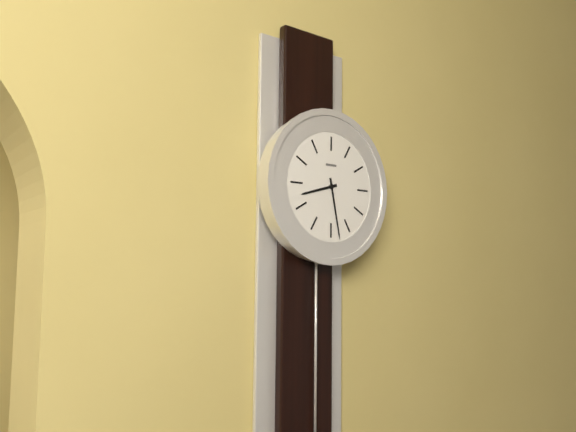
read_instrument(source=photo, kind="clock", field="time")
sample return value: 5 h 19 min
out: 8 h 28 min
